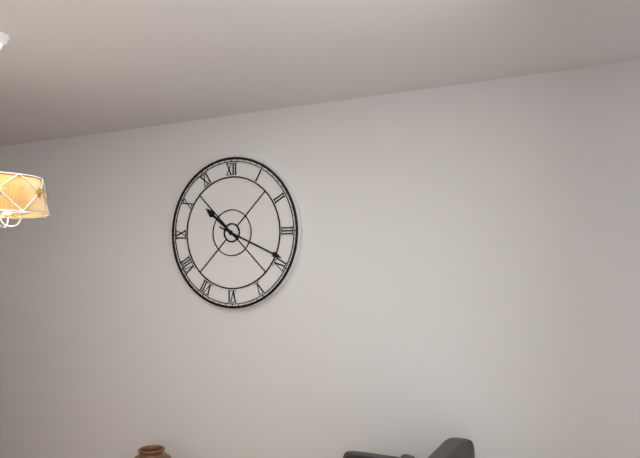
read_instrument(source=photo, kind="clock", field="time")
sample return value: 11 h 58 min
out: 10 h 19 min
